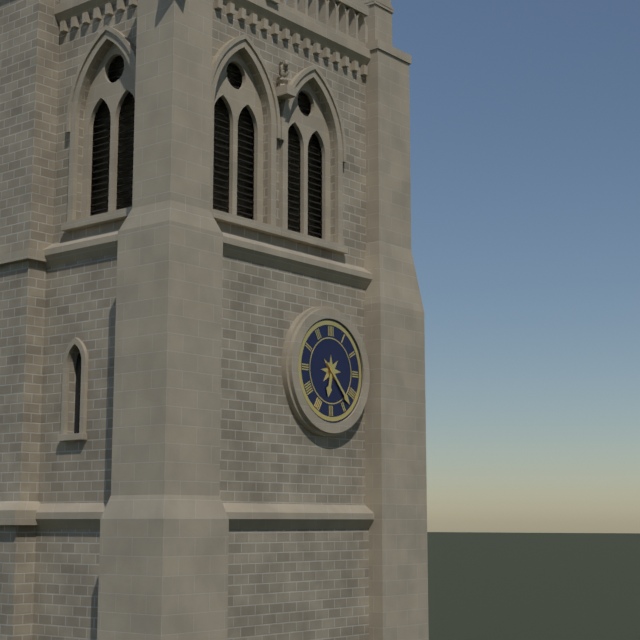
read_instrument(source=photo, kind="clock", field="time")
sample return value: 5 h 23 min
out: 6 h 23 min
